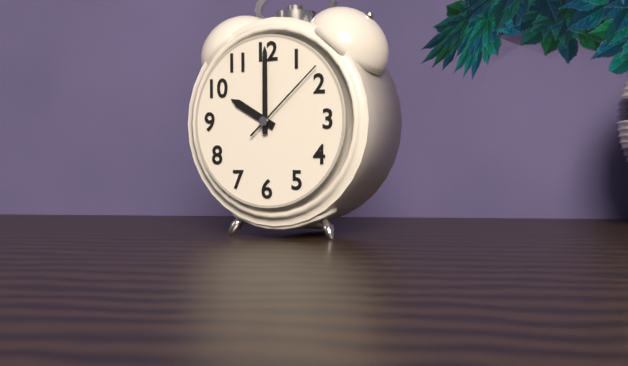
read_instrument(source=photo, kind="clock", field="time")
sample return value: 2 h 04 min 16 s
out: 10 h 00 min 08 s
